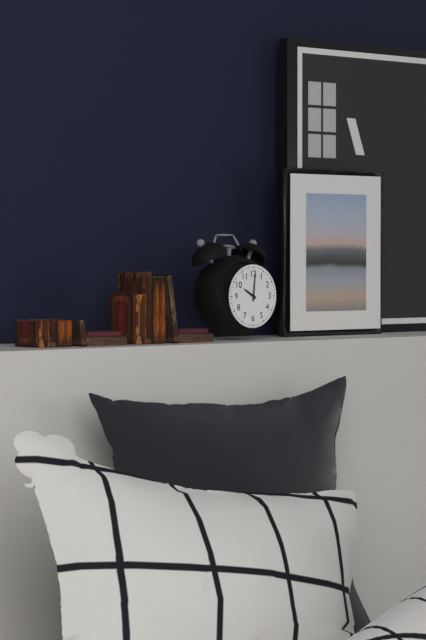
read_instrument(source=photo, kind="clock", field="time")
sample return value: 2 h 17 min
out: 10 h 01 min
